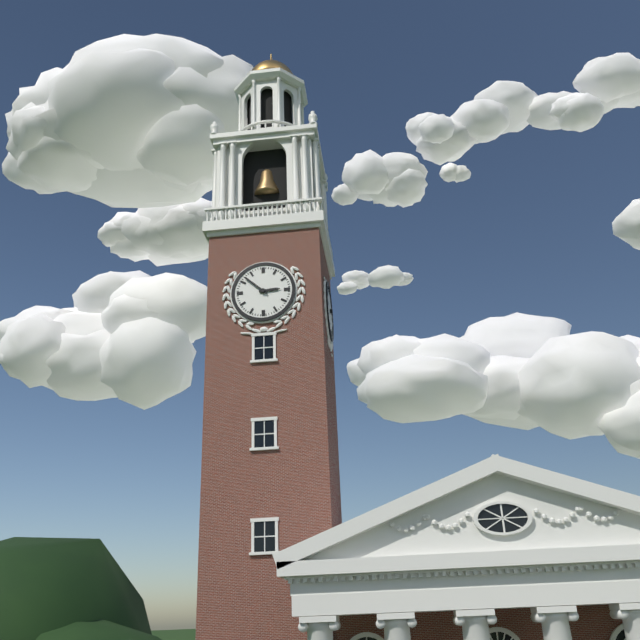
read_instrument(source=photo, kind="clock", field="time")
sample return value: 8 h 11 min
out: 2 h 52 min
